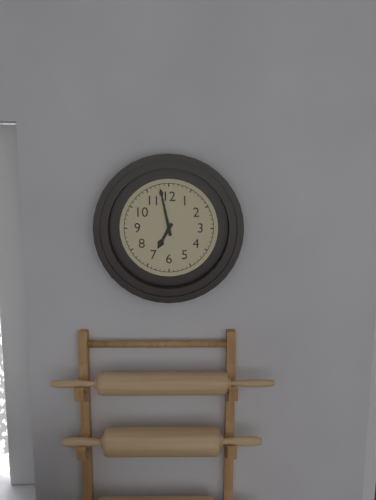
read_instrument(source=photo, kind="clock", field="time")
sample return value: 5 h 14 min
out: 6 h 58 min
